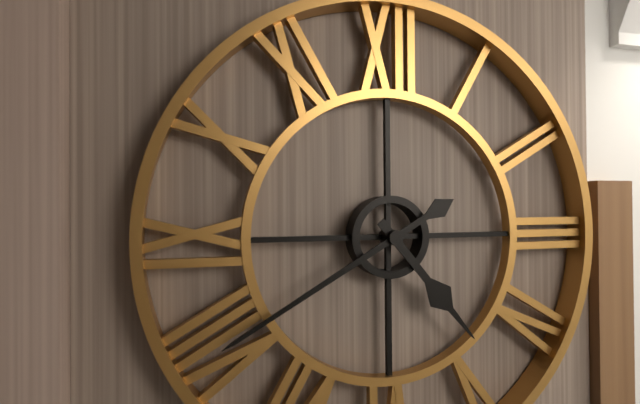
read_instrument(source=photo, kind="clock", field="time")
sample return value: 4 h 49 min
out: 4 h 40 min
